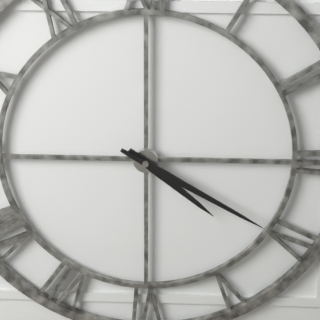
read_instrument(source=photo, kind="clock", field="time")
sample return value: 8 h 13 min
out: 4 h 20 min
